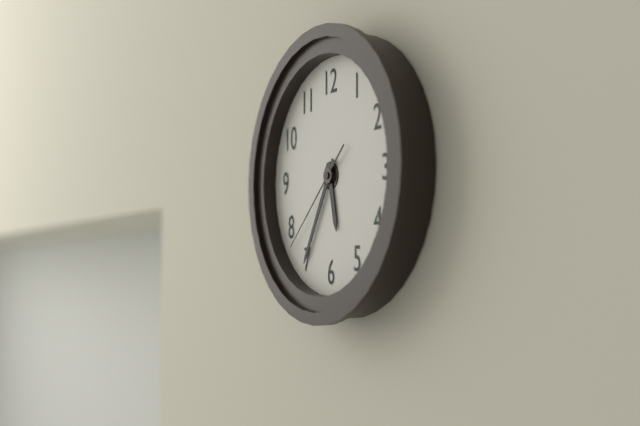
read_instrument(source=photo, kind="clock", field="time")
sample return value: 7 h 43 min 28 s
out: 5 h 35 min 38 s
